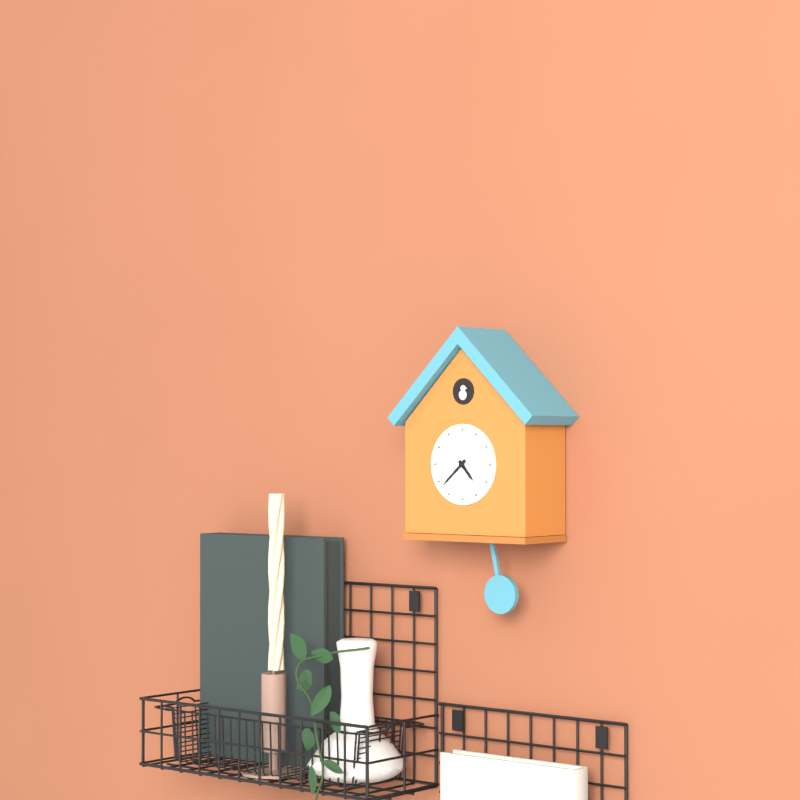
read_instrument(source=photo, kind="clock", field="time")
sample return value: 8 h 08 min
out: 4 h 38 min
